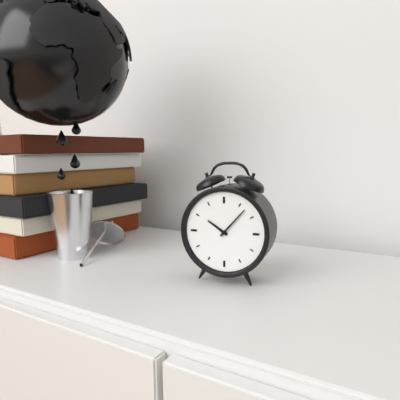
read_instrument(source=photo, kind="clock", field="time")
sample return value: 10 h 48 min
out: 10 h 07 min
